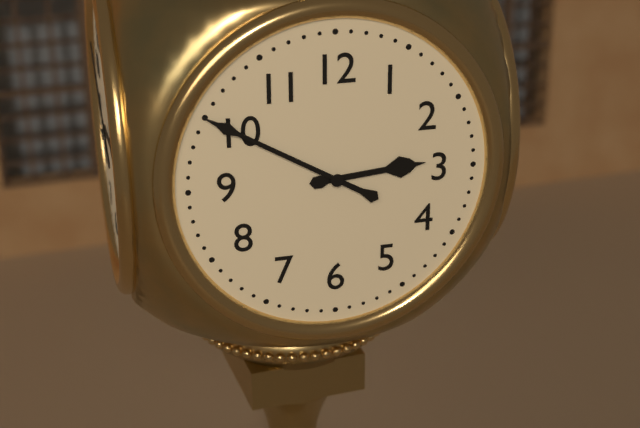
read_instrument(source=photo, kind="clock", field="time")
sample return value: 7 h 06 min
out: 2 h 50 min
